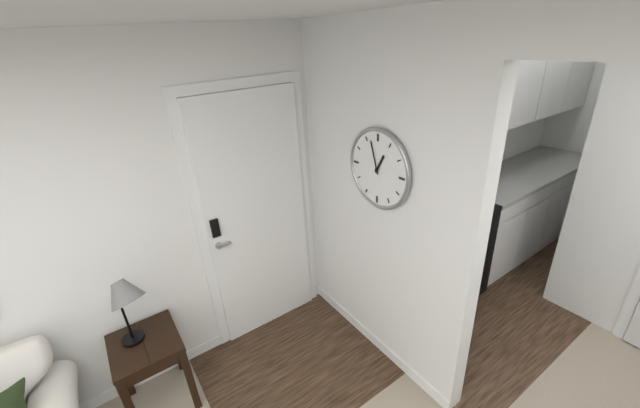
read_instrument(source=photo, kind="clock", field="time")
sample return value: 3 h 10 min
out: 12 h 57 min
